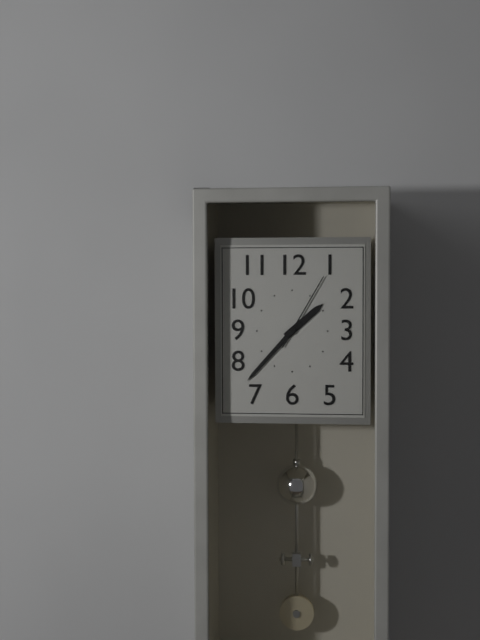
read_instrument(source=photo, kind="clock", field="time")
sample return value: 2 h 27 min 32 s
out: 1 h 37 min 05 s
